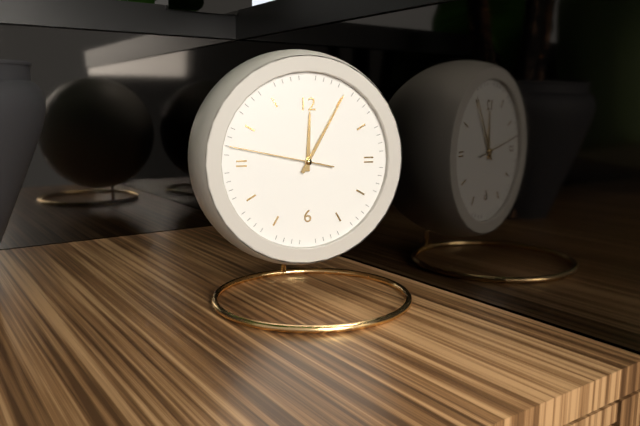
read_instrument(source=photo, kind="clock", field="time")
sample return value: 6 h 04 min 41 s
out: 12 h 05 min 47 s
